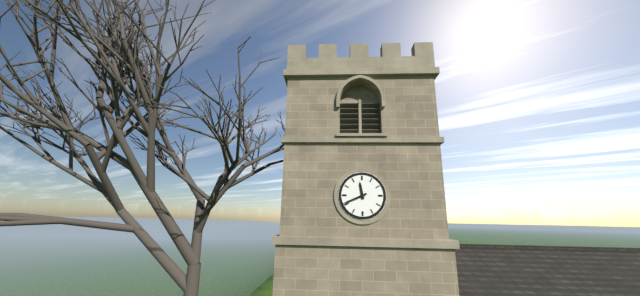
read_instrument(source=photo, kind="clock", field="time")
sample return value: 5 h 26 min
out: 11 h 41 min
